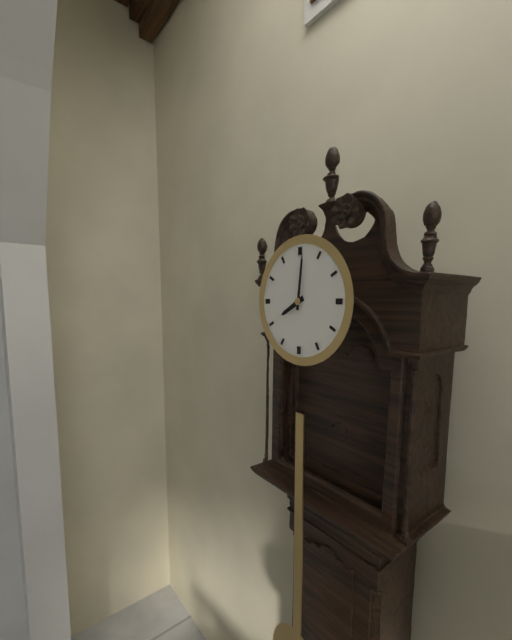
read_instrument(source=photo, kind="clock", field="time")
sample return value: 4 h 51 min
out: 8 h 01 min
